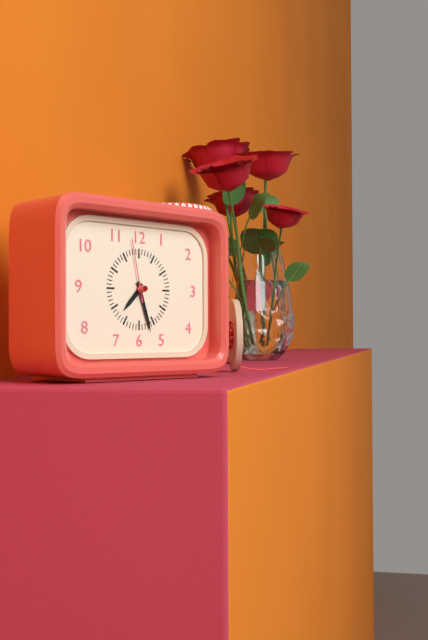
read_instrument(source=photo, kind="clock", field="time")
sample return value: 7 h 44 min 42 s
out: 7 h 27 min 58 s
